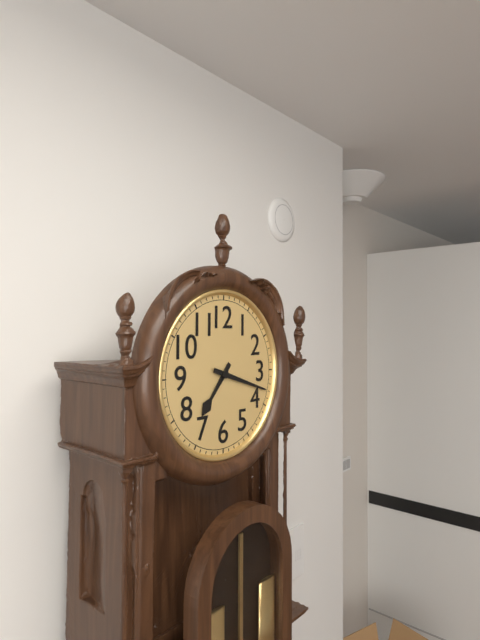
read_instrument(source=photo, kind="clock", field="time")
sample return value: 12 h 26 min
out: 7 h 18 min
